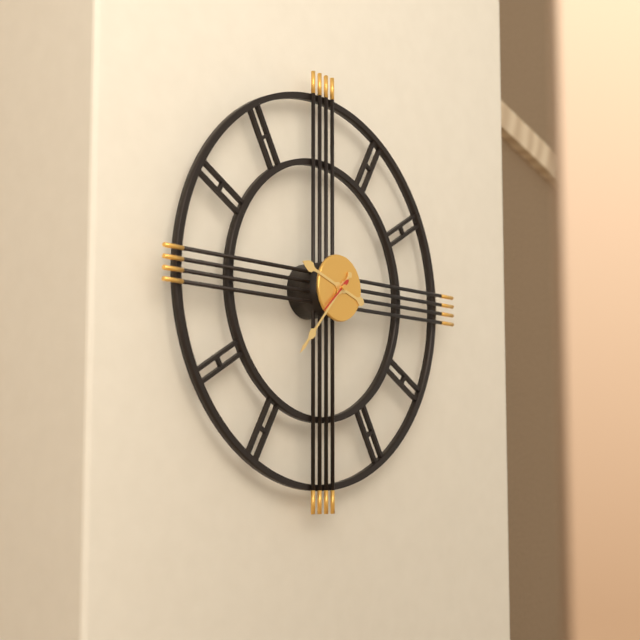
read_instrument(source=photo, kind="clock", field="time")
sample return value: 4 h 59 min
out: 9 h 37 min
